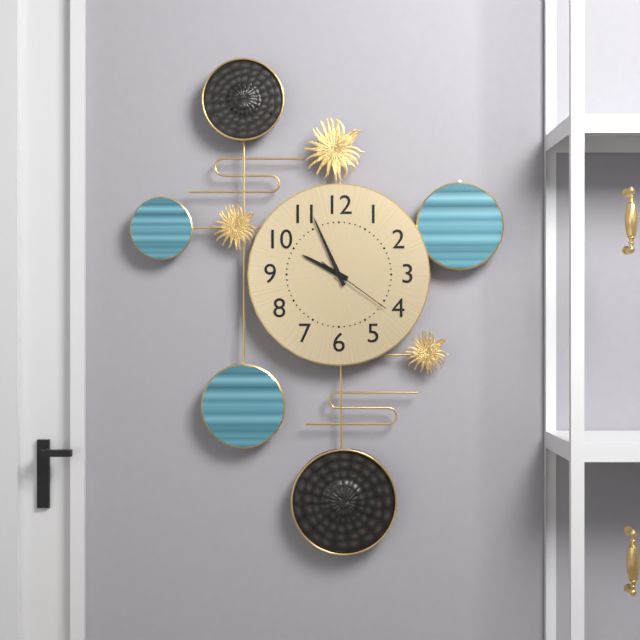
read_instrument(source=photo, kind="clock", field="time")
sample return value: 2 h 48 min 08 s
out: 9 h 56 min 21 s
